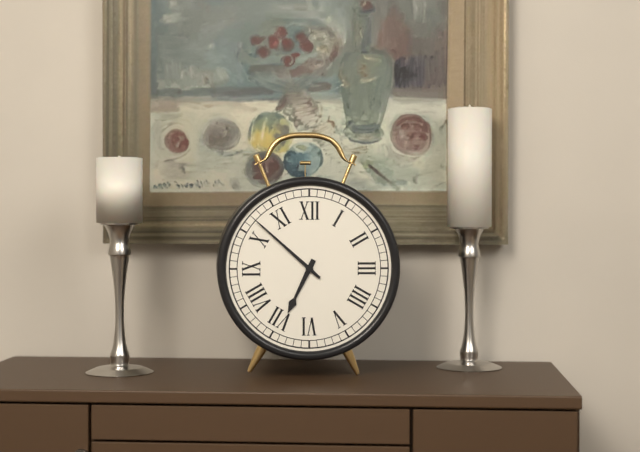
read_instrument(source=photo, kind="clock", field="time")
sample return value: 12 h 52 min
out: 6 h 52 min
